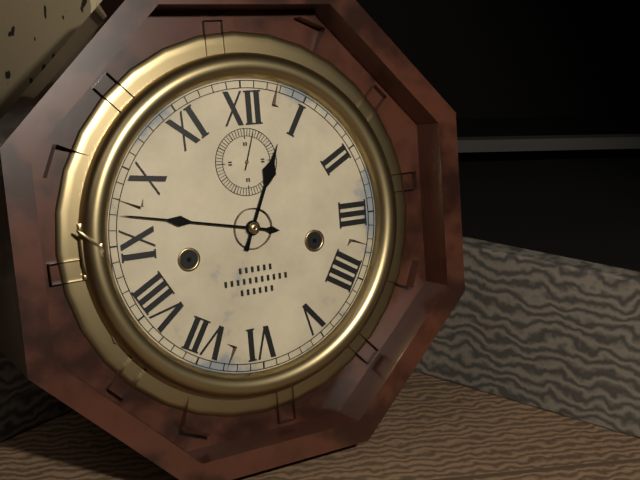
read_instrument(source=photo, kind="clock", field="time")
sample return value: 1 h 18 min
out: 12 h 47 min
